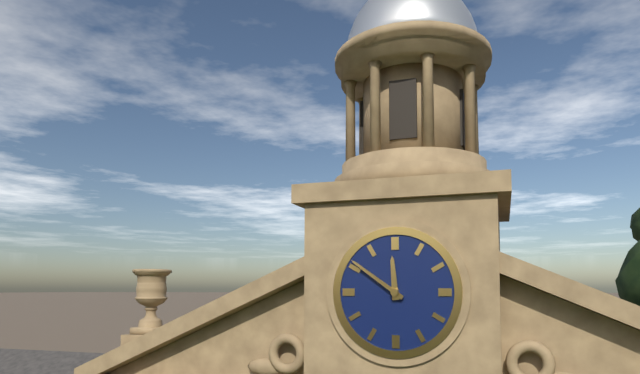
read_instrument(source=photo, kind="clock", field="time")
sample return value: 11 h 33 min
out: 11 h 51 min
